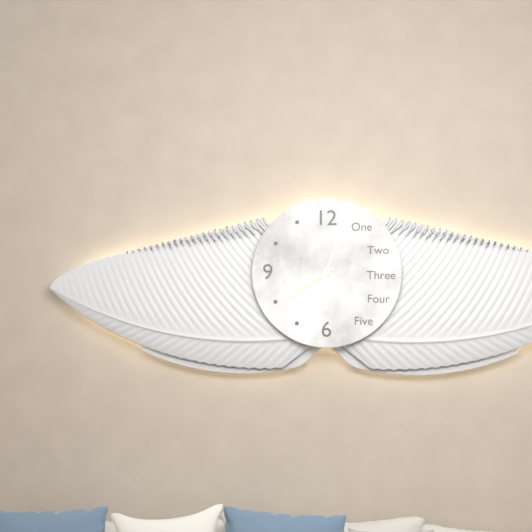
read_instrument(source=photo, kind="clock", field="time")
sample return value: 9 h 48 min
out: 12 h 39 min
